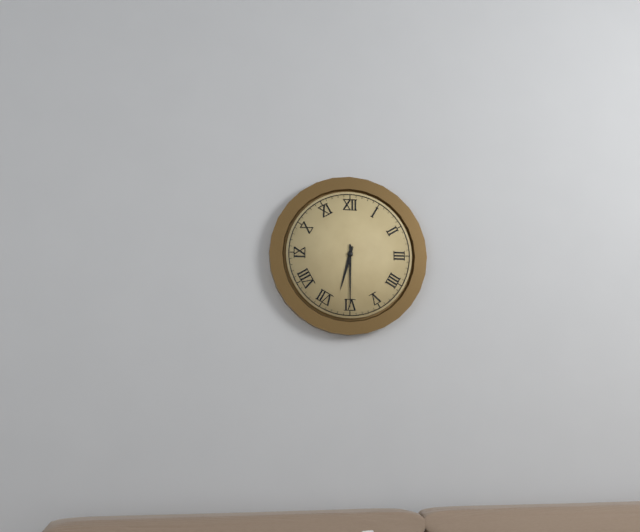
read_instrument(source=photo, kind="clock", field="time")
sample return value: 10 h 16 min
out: 6 h 30 min
